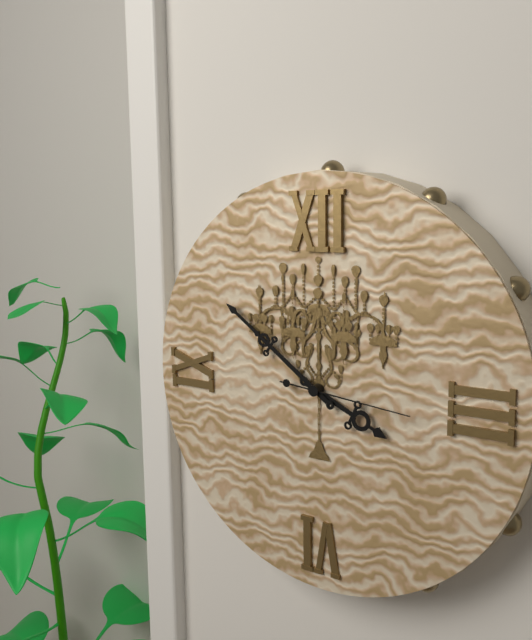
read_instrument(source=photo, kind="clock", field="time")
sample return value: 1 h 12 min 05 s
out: 3 h 51 min 16 s
